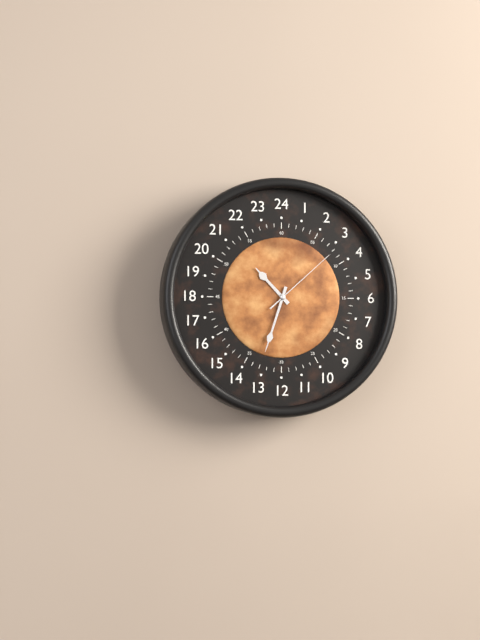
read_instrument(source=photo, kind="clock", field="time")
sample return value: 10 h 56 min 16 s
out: 10 h 33 min 08 s
